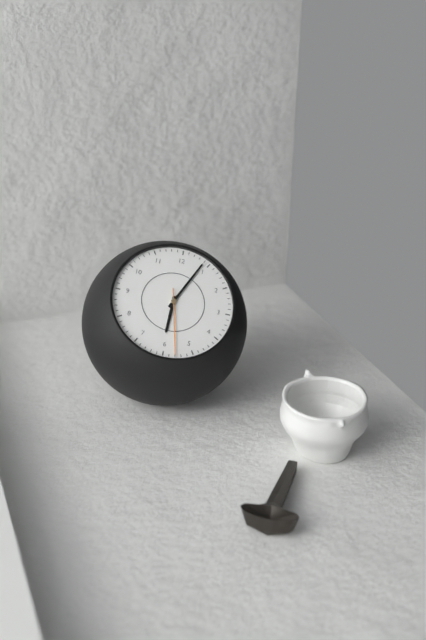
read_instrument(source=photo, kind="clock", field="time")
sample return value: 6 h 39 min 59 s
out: 6 h 04 min 28 s
